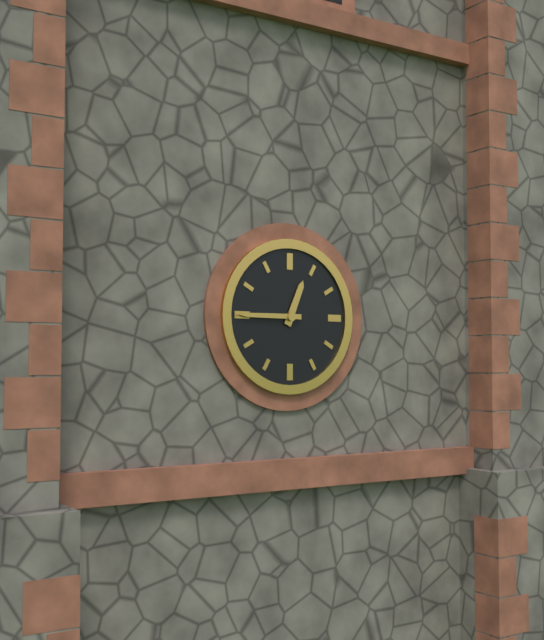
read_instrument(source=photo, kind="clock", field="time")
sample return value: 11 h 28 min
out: 12 h 45 min
